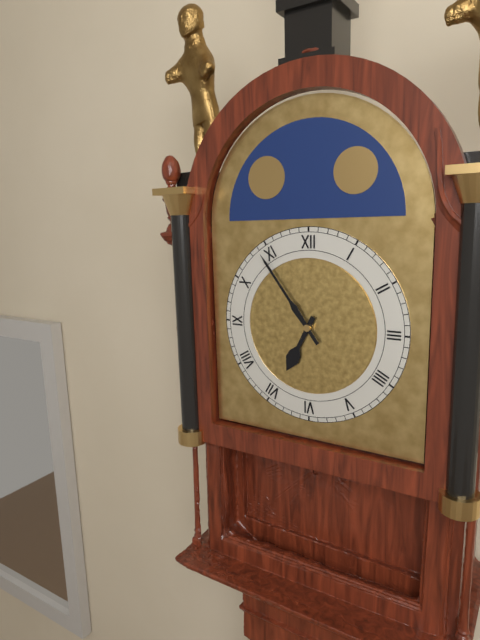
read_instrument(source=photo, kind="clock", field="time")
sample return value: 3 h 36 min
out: 6 h 54 min
